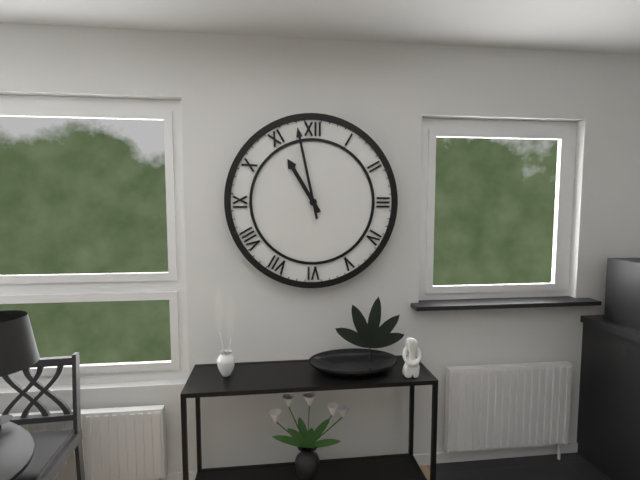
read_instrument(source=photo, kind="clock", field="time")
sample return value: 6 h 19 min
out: 10 h 58 min
